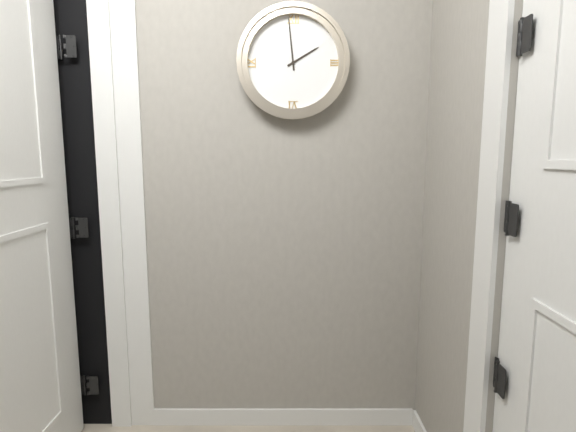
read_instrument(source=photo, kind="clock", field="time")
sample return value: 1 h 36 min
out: 1 h 59 min
